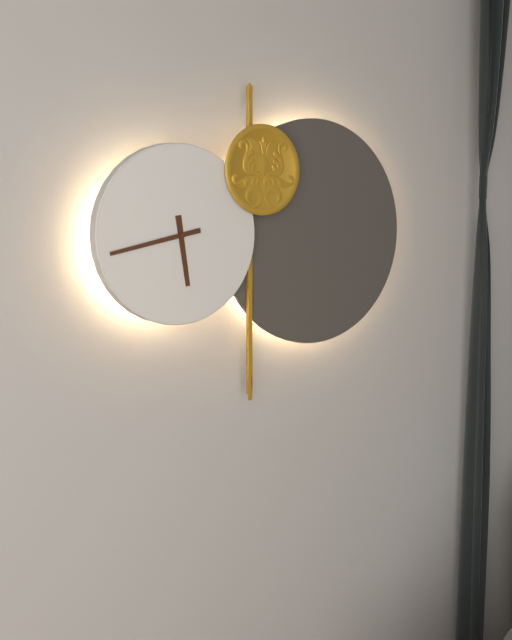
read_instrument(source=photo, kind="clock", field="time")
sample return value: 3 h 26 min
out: 5 h 43 min
